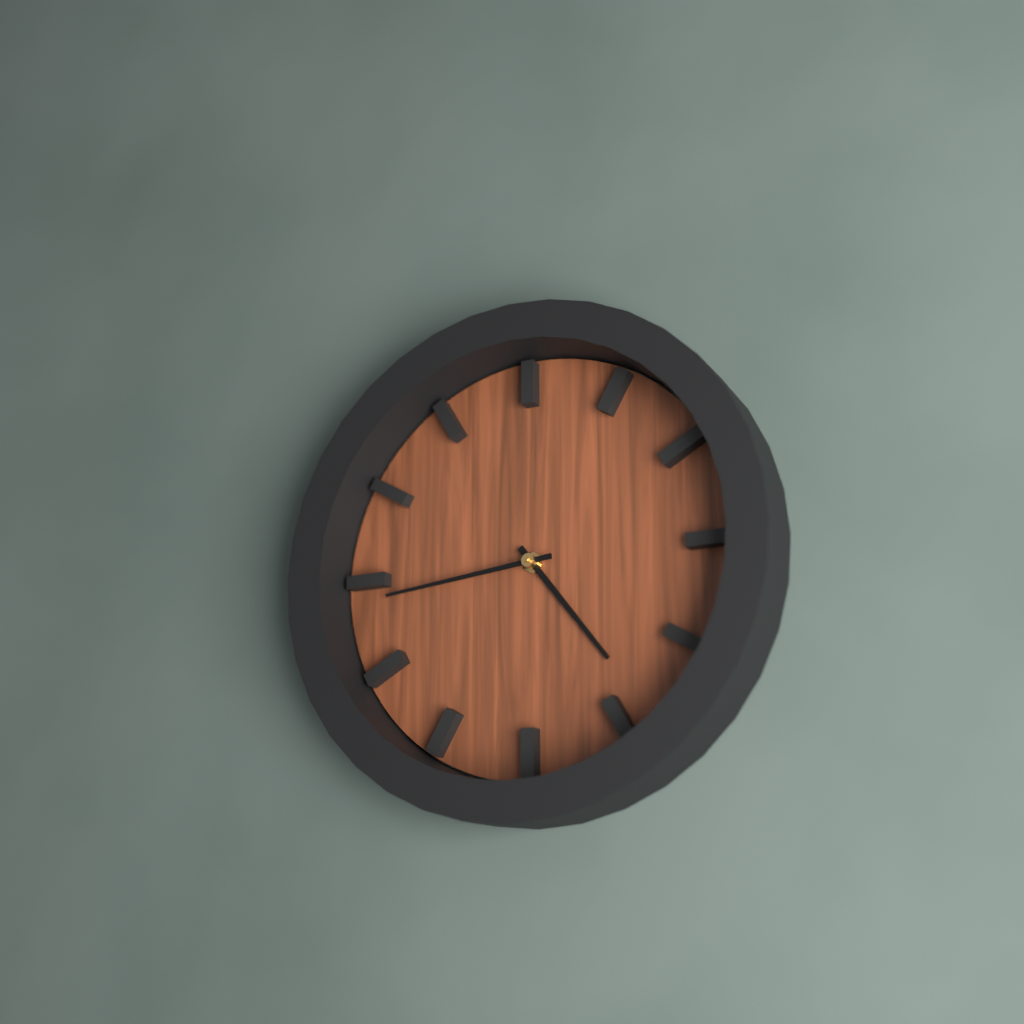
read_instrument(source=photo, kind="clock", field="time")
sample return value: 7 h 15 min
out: 4 h 44 min
